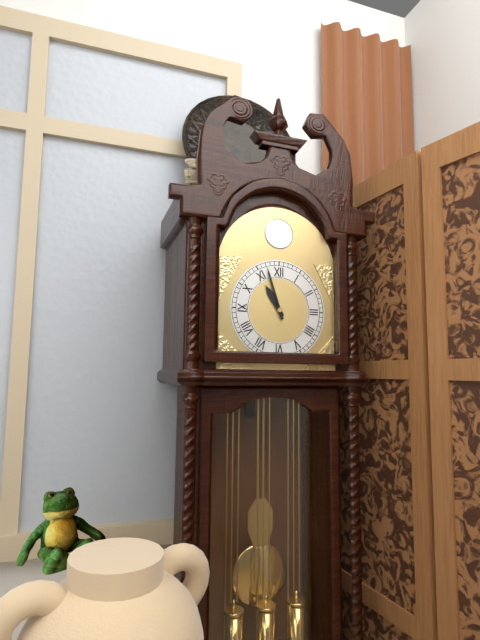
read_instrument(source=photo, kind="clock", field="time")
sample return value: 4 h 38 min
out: 10 h 57 min
